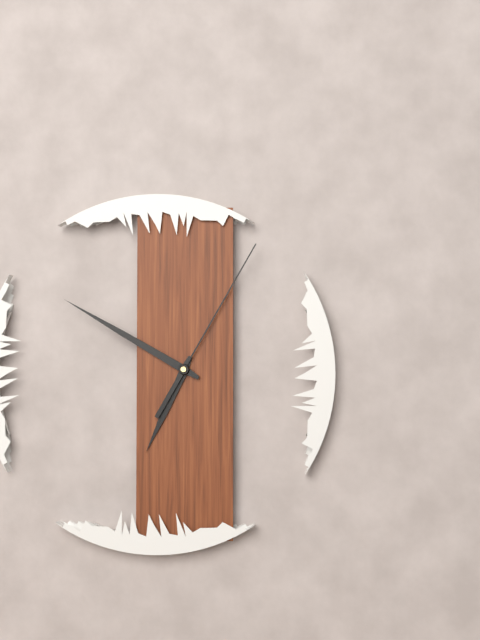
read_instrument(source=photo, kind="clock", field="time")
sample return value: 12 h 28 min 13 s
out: 6 h 50 min 05 s
